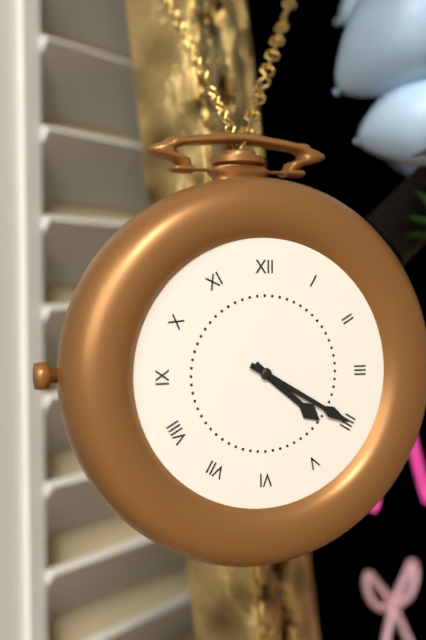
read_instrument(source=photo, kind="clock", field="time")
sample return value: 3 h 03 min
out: 4 h 20 min
